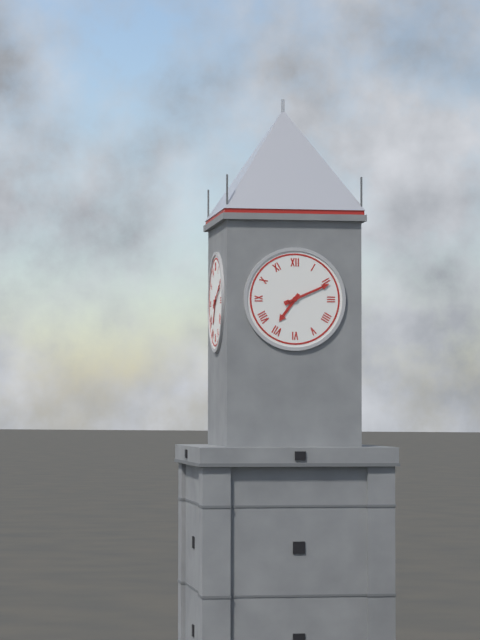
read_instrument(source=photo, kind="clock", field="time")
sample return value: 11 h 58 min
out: 7 h 11 min
